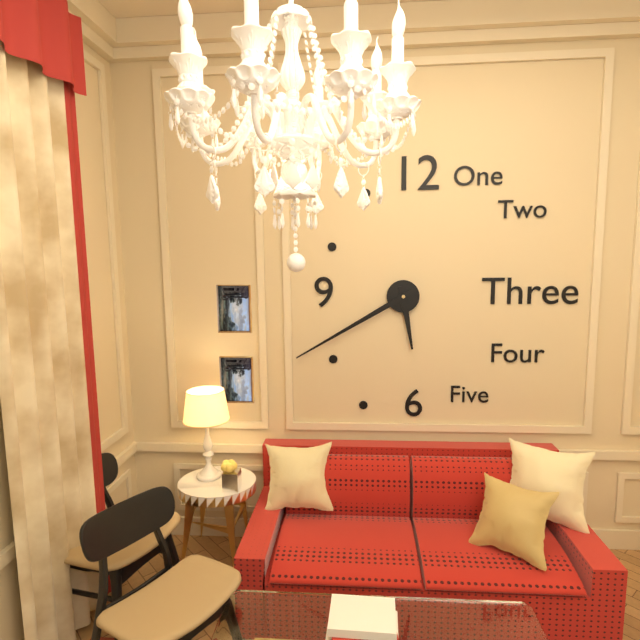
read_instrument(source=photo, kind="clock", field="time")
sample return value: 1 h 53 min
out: 5 h 40 min
